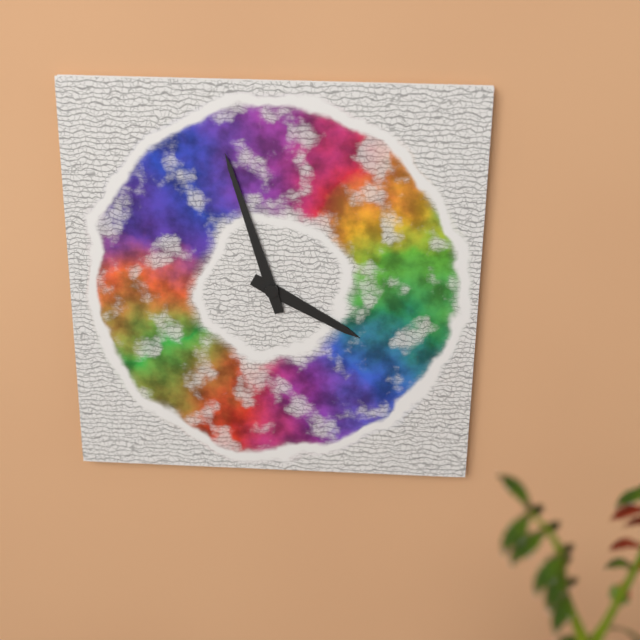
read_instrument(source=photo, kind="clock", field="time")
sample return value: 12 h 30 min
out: 3 h 57 min
